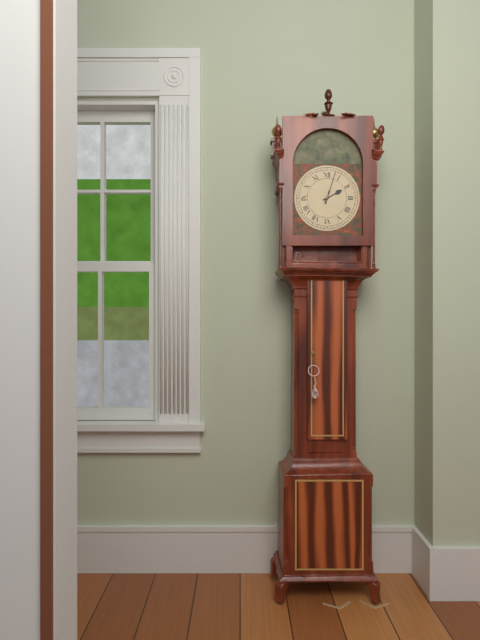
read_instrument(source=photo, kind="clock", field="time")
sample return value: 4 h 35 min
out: 2 h 03 min
